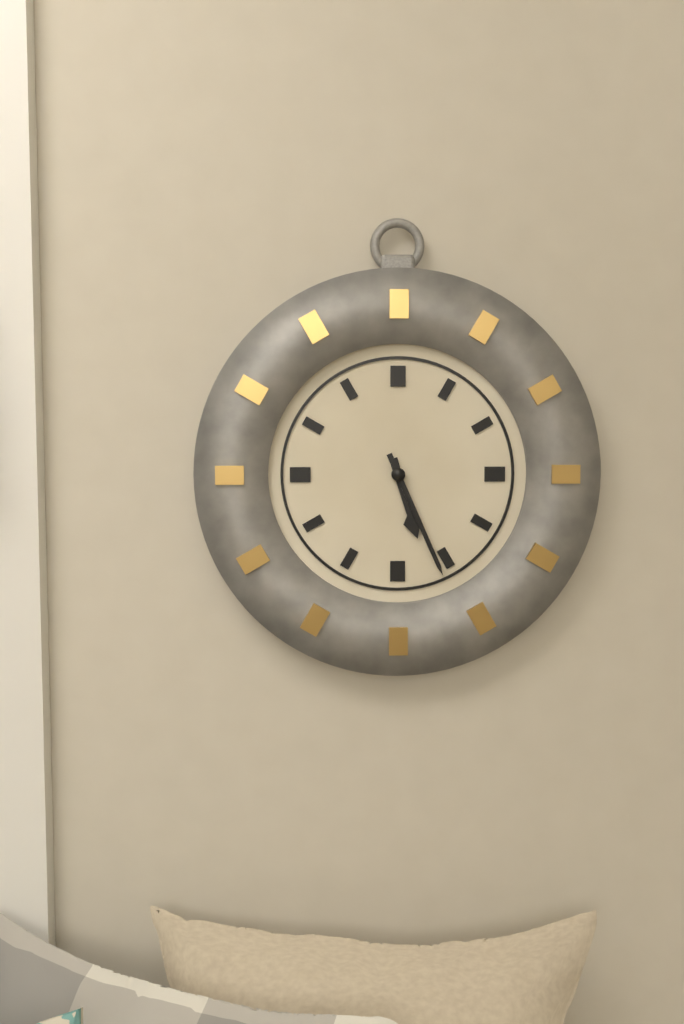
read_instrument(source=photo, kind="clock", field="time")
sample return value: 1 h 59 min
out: 5 h 26 min
